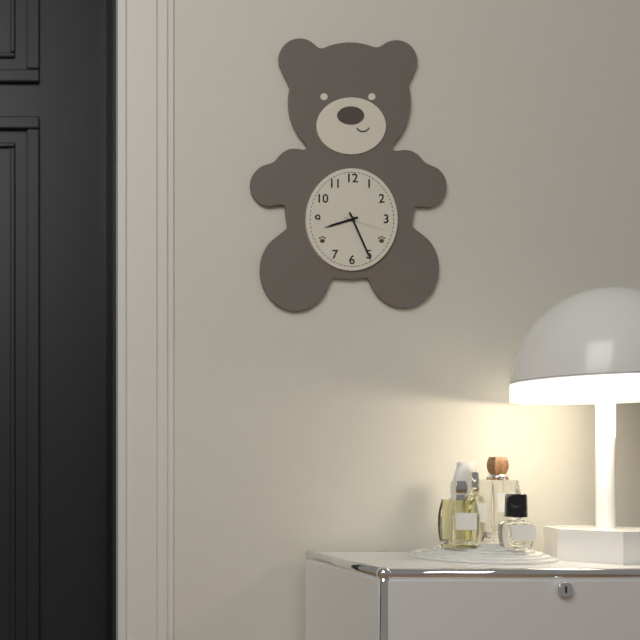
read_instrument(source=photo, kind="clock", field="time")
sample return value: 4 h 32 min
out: 8 h 26 min
